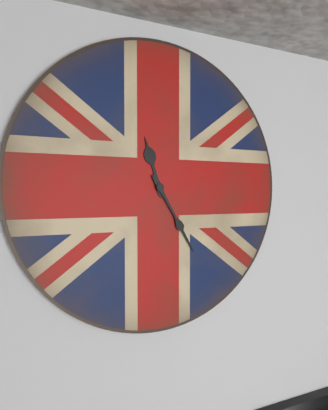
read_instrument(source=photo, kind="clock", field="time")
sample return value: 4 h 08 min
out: 11 h 25 min
